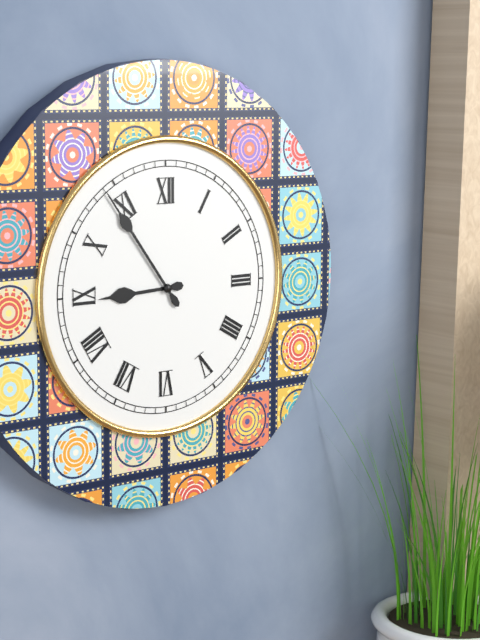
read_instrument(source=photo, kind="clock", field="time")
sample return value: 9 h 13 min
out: 8 h 54 min
